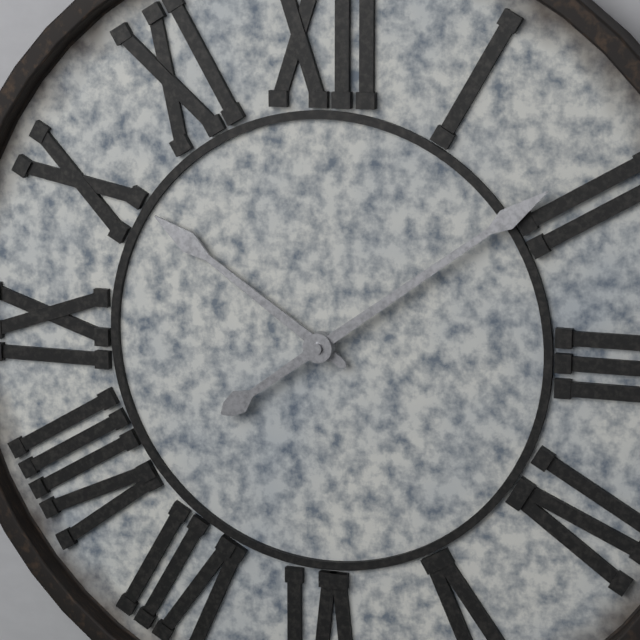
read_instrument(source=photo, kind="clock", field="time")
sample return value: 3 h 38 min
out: 10 h 09 min
